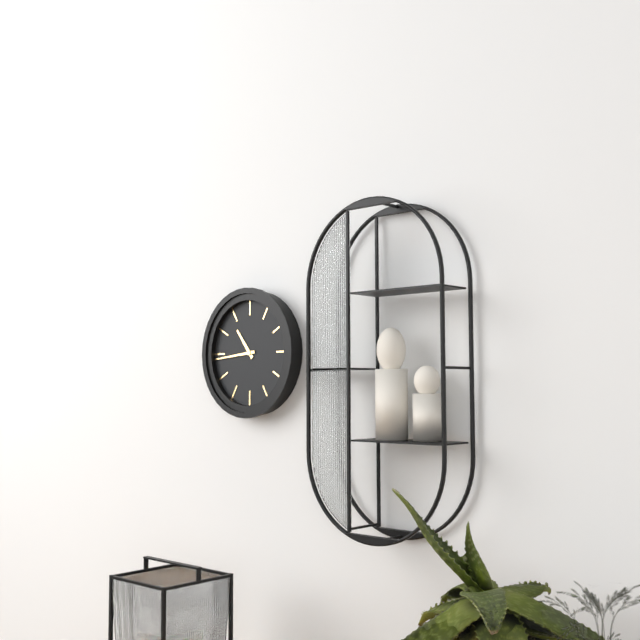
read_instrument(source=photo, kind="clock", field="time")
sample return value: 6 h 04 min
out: 10 h 44 min
